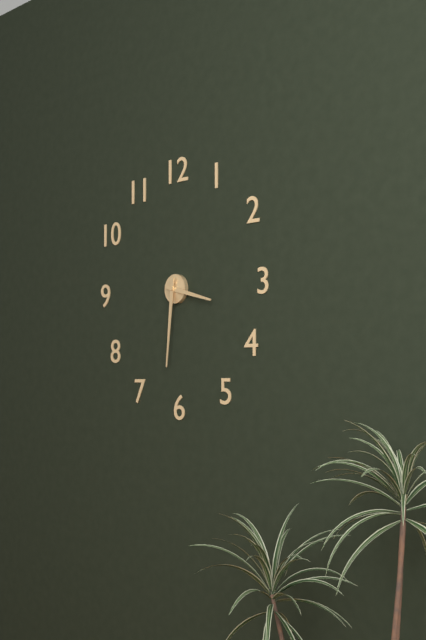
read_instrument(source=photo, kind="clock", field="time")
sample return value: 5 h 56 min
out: 3 h 31 min
